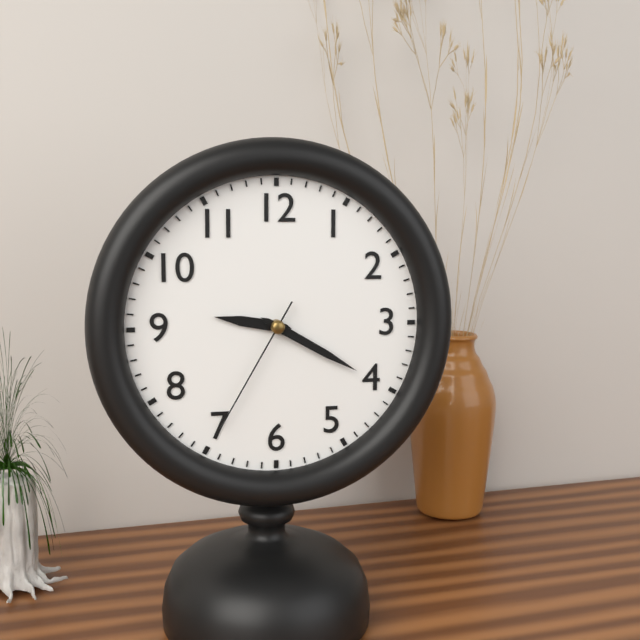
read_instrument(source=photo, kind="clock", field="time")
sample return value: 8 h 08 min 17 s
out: 9 h 20 min 35 s
